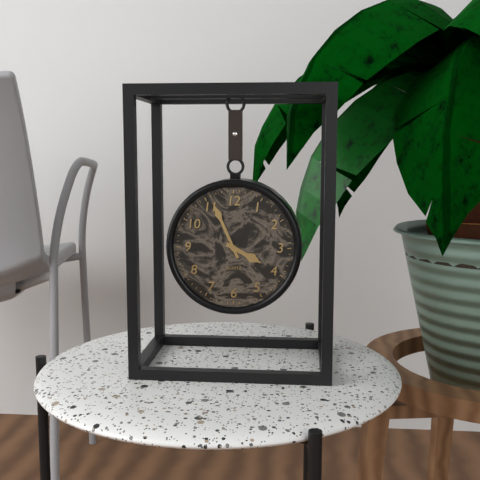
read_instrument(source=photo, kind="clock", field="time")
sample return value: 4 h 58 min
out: 3 h 56 min
